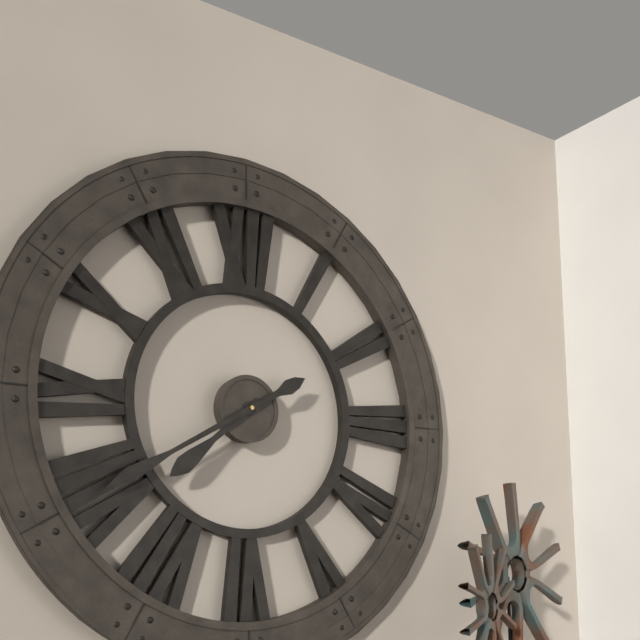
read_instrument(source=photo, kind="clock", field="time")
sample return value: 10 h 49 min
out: 7 h 40 min
